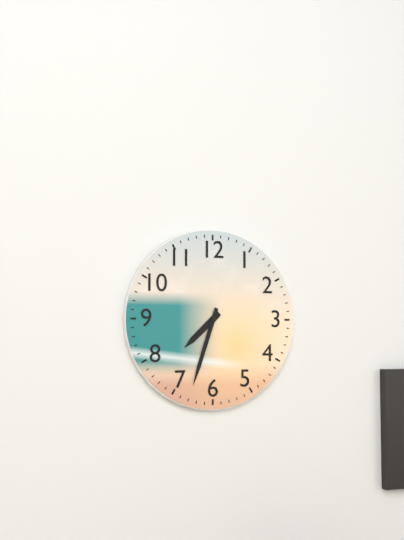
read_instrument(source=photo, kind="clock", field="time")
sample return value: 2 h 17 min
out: 7 h 33 min
